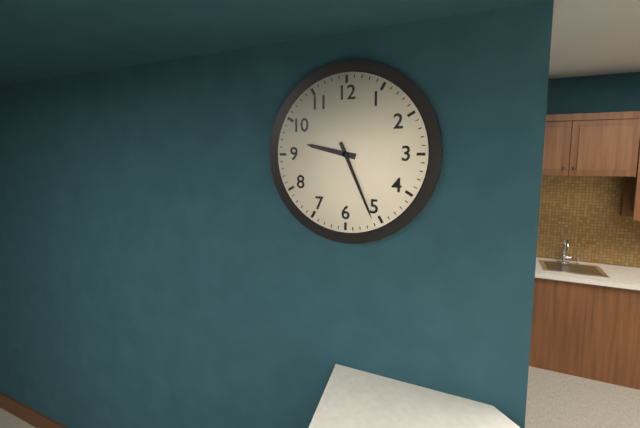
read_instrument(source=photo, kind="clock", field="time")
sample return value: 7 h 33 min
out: 9 h 26 min
